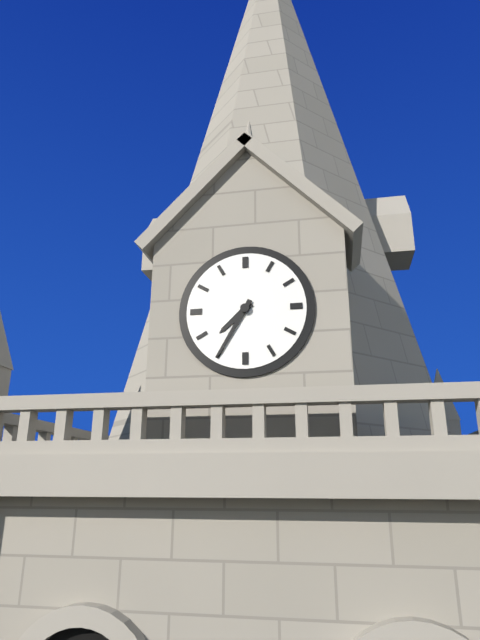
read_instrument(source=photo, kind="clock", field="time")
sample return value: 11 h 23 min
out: 7 h 35 min
